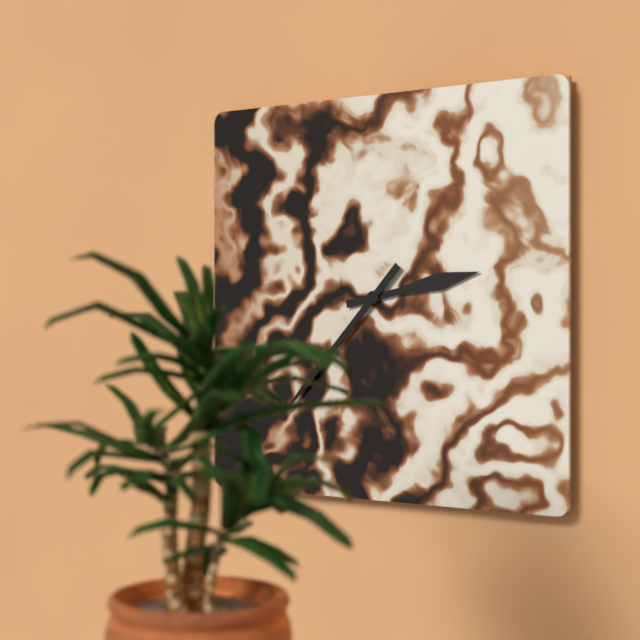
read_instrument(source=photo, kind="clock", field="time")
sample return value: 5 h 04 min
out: 2 h 37 min
